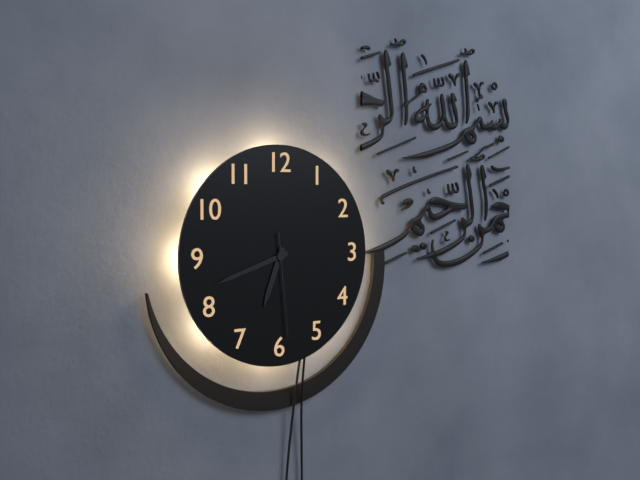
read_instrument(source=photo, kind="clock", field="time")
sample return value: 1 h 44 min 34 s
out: 6 h 42 min 29 s
